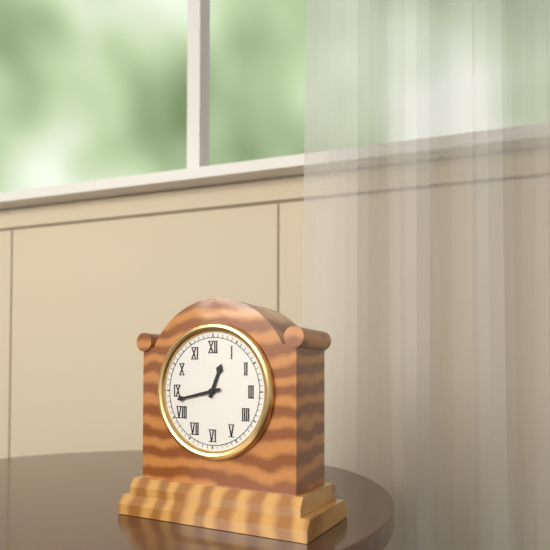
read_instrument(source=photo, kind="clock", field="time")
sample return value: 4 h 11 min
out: 12 h 43 min
